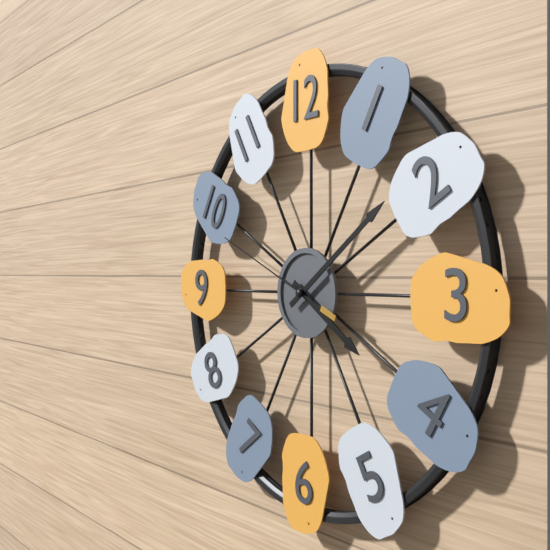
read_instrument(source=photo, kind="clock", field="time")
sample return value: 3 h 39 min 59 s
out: 4 h 09 min 49 s
